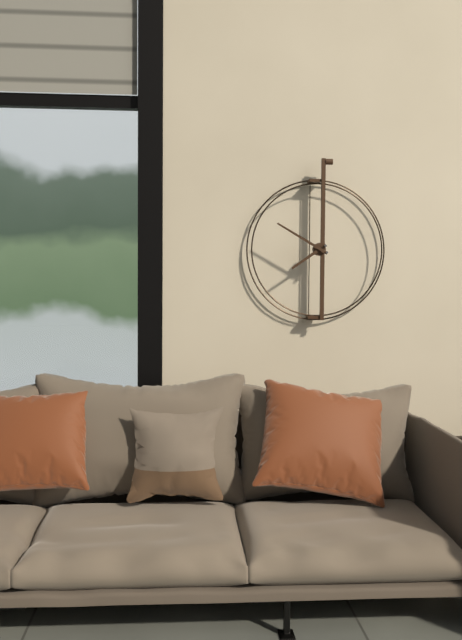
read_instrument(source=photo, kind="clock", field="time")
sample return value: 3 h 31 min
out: 7 h 50 min
